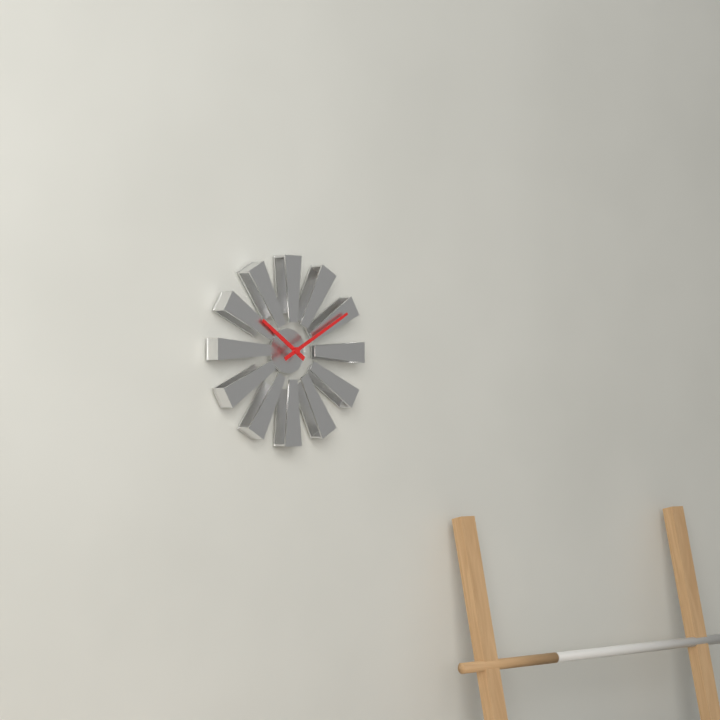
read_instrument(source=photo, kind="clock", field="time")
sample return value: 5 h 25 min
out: 10 h 10 min
